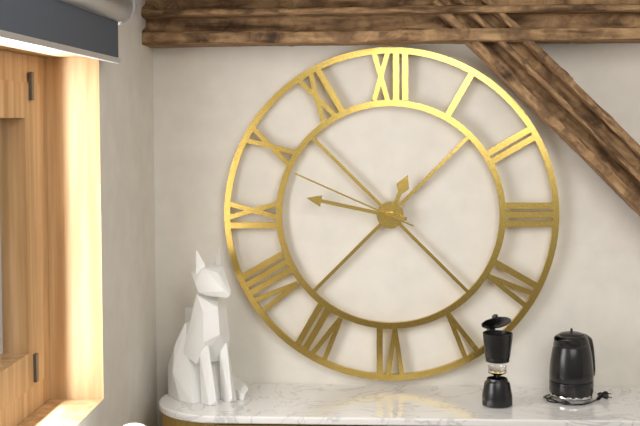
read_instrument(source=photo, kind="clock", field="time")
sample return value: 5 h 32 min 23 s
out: 12 h 47 min 49 s
